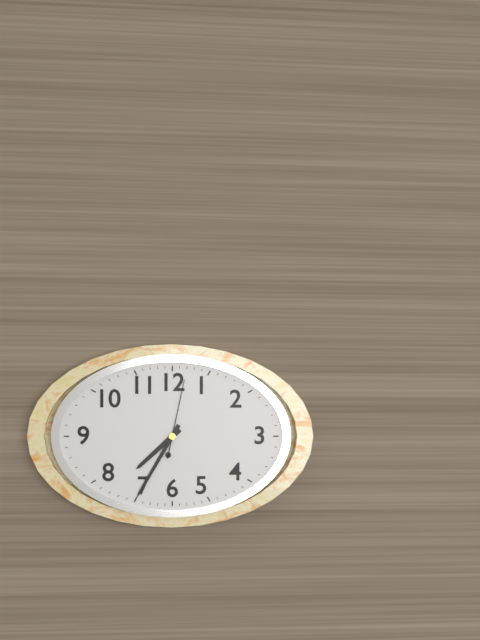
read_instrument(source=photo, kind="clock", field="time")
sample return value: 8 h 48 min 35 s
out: 7 h 35 min 02 s
